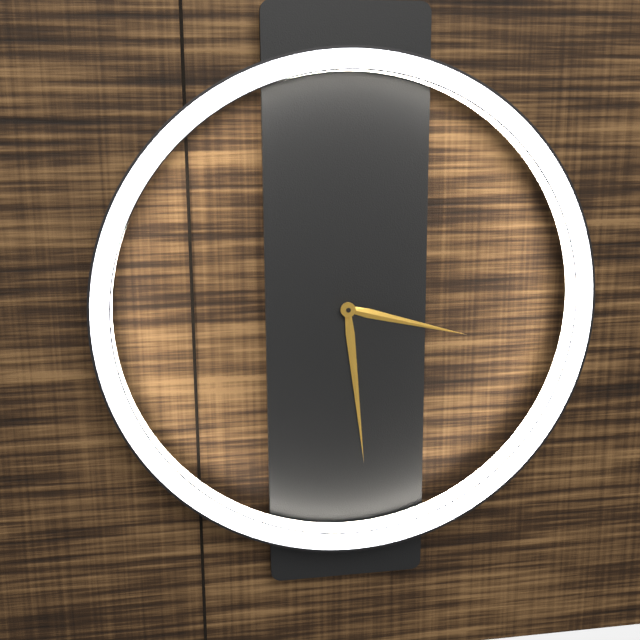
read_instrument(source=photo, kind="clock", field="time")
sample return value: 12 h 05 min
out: 3 h 29 min
